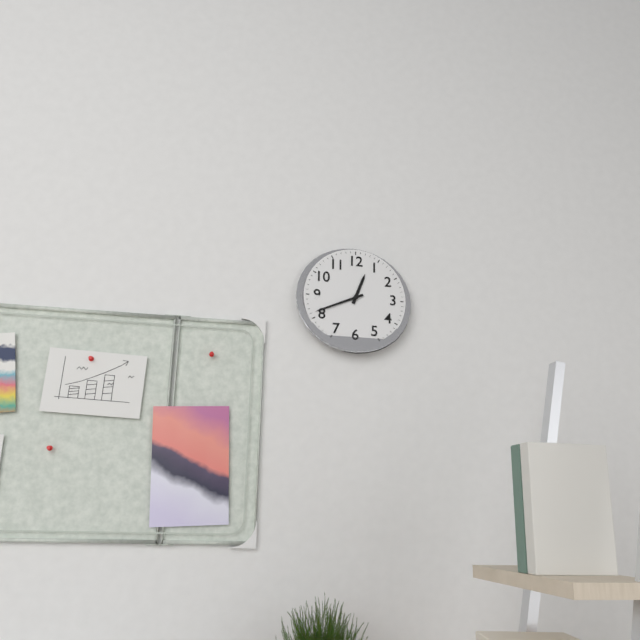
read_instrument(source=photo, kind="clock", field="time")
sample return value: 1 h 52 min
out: 12 h 41 min
